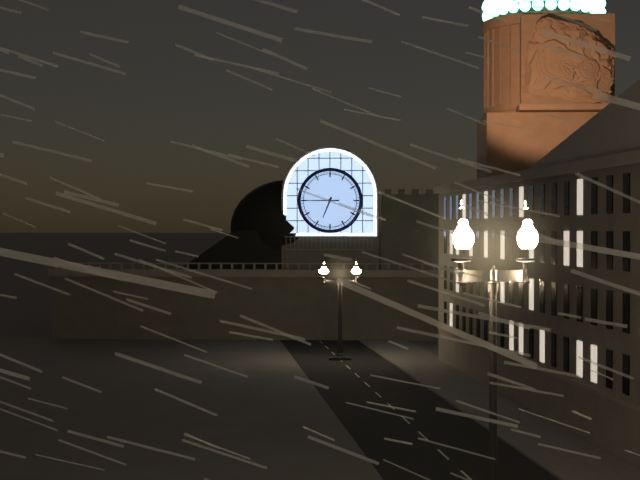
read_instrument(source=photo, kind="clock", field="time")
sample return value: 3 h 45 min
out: 6 h 45 min
